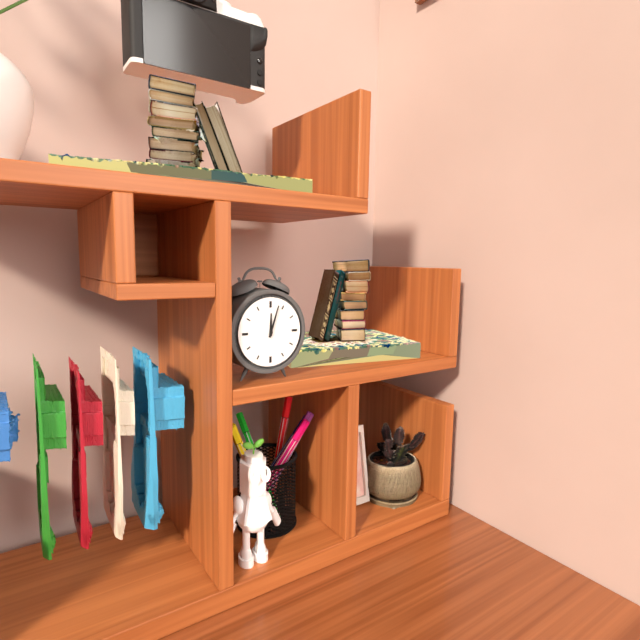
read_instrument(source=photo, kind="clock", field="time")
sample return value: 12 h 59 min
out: 12 h 03 min
